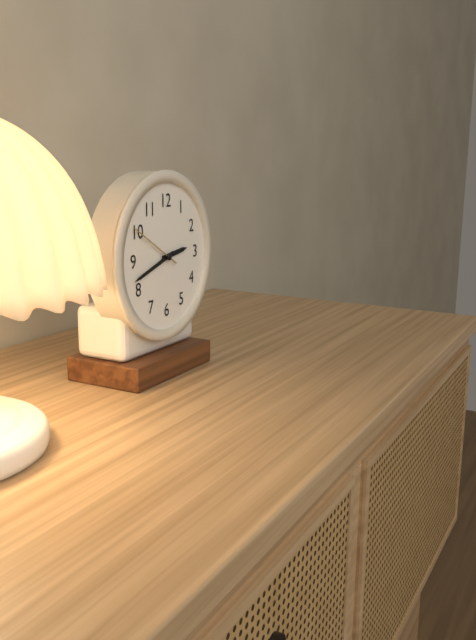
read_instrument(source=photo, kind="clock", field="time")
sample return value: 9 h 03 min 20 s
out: 2 h 42 min 50 s
